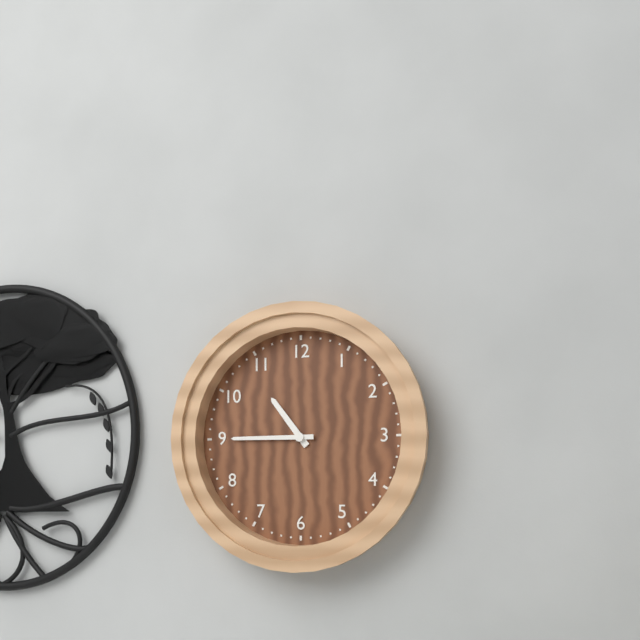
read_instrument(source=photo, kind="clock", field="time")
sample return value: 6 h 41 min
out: 10 h 45 min
